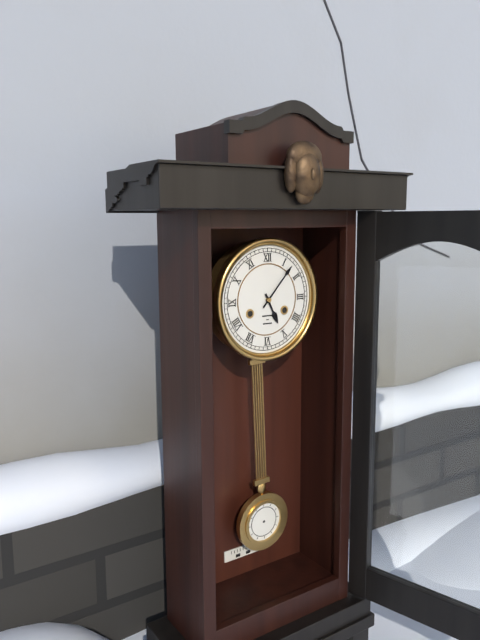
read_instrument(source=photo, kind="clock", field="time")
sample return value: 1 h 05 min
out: 5 h 07 min
